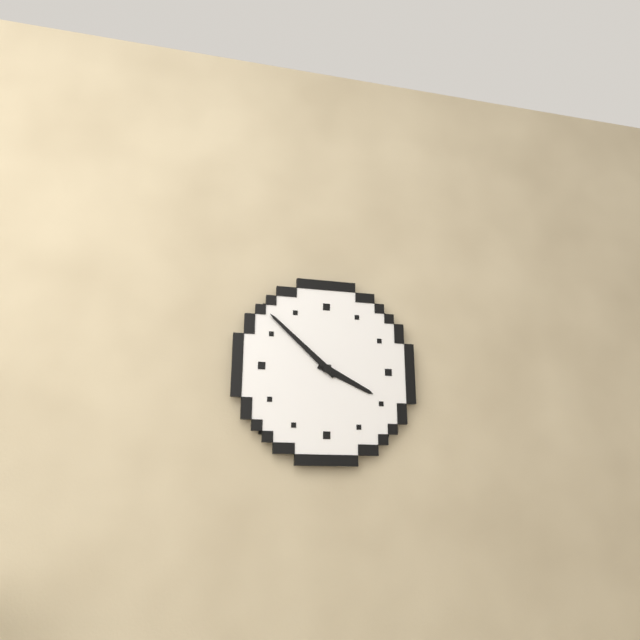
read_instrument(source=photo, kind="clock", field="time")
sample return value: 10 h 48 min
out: 3 h 52 min
